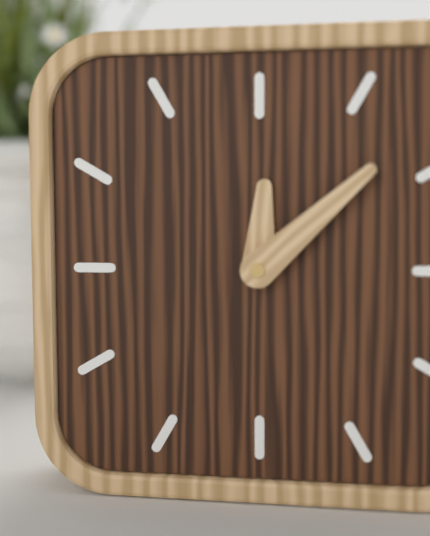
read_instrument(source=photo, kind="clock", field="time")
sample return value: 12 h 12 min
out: 12 h 08 min
